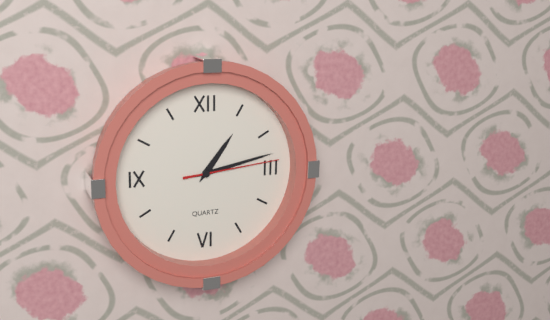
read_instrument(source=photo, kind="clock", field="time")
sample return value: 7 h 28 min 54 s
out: 1 h 13 min 14 s
